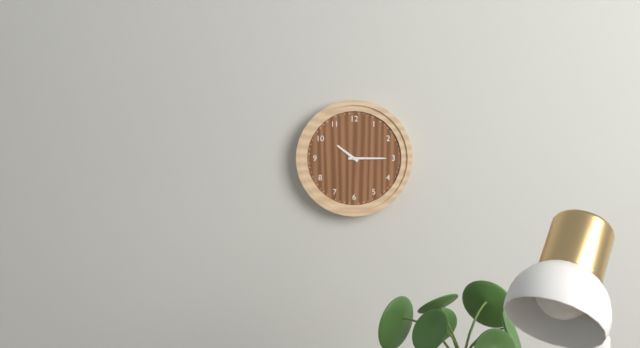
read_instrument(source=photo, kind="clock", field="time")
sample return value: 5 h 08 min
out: 10 h 15 min
